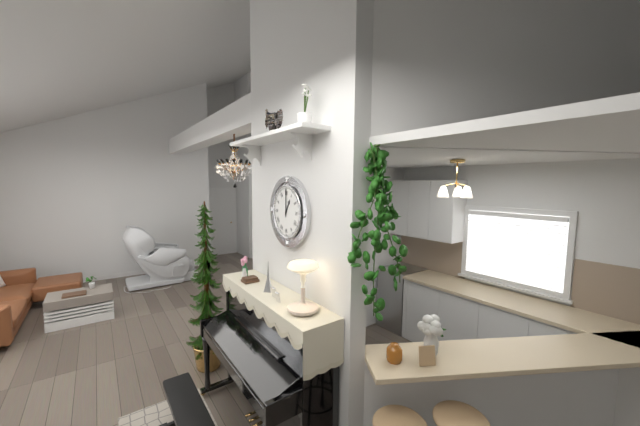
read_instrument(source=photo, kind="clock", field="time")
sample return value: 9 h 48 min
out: 1 h 00 min
